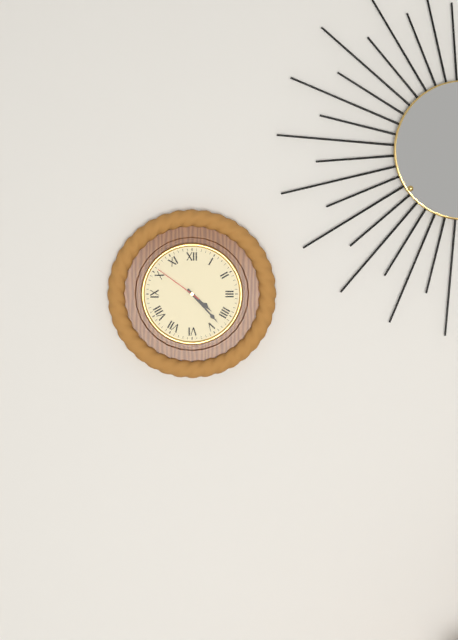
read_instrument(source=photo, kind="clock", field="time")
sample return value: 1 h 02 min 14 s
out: 4 h 23 min 51 s
